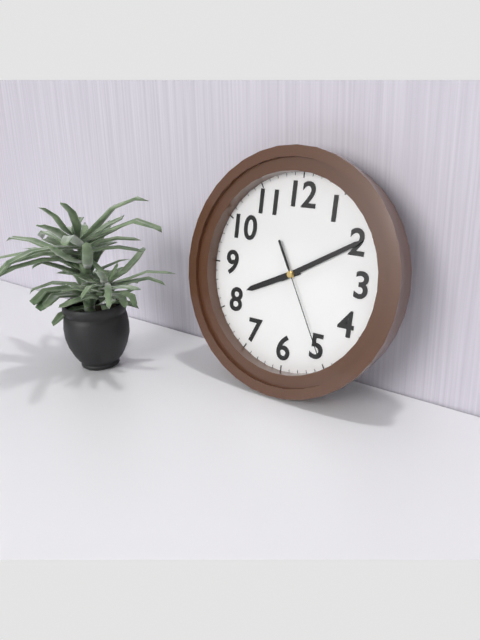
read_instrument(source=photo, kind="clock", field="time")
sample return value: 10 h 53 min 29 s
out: 8 h 10 min 25 s
